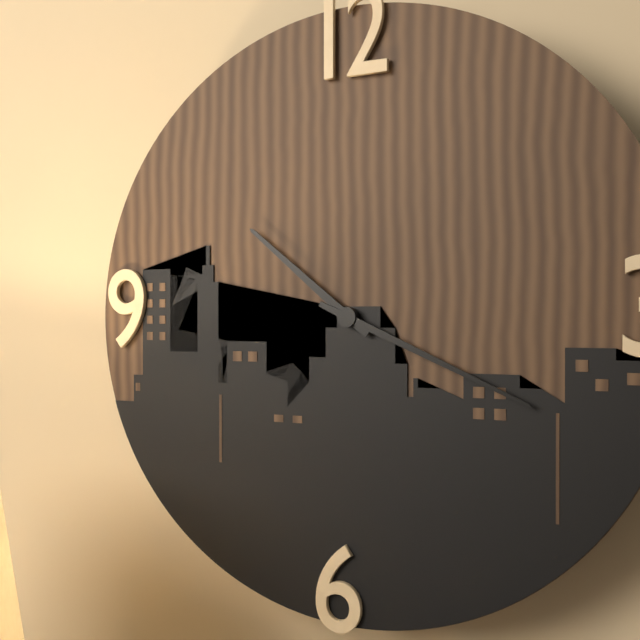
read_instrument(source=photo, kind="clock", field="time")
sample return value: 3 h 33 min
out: 10 h 19 min
